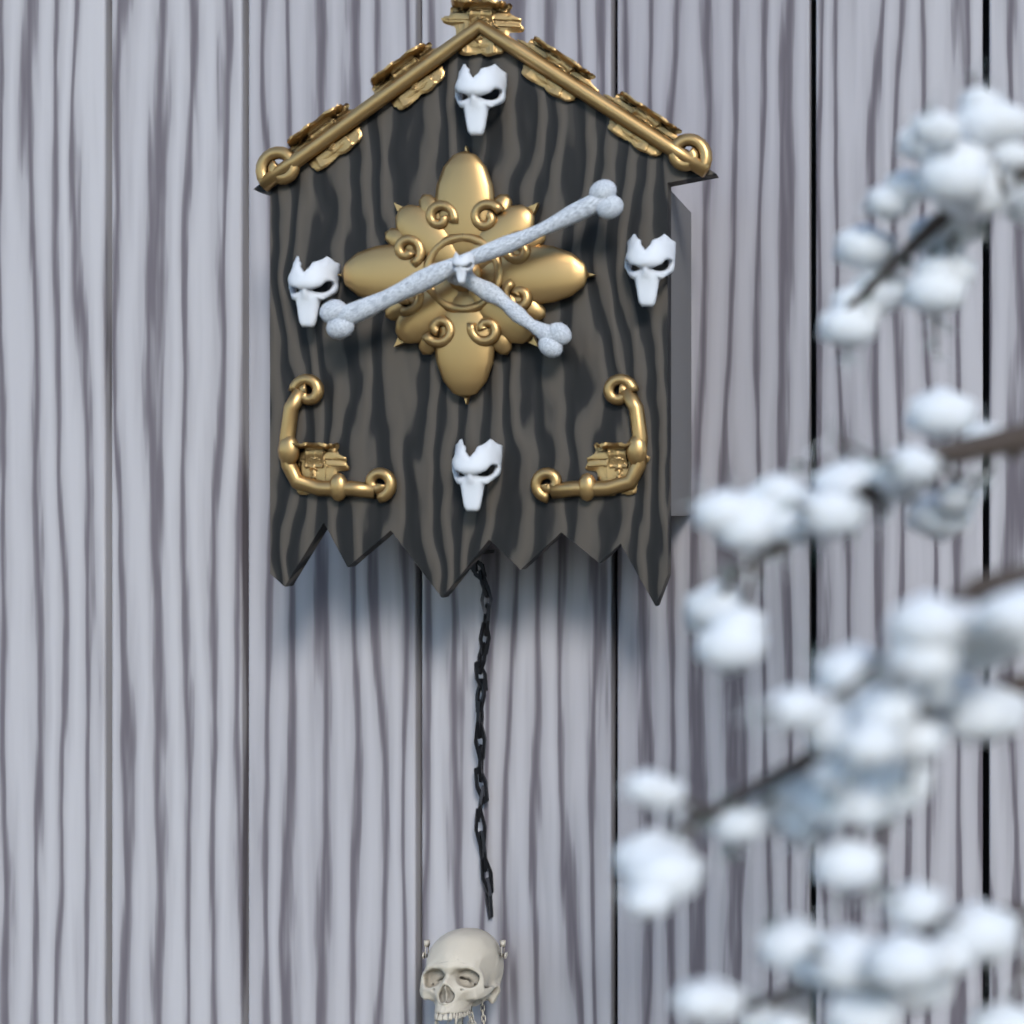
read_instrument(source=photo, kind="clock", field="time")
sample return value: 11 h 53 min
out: 4 h 11 min
